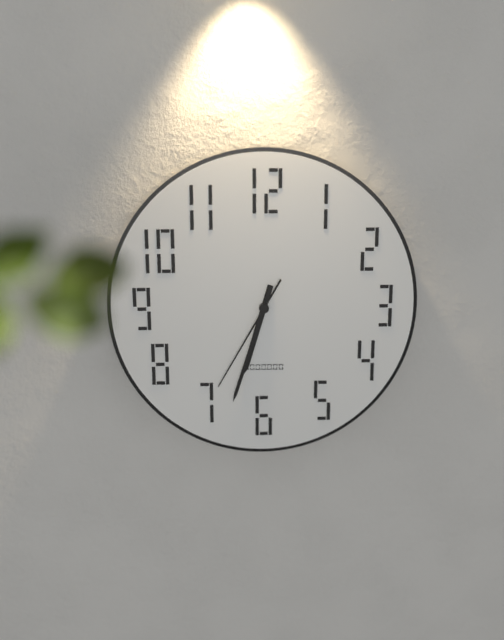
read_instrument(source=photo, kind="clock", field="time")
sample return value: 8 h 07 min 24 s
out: 6 h 33 min 35 s
